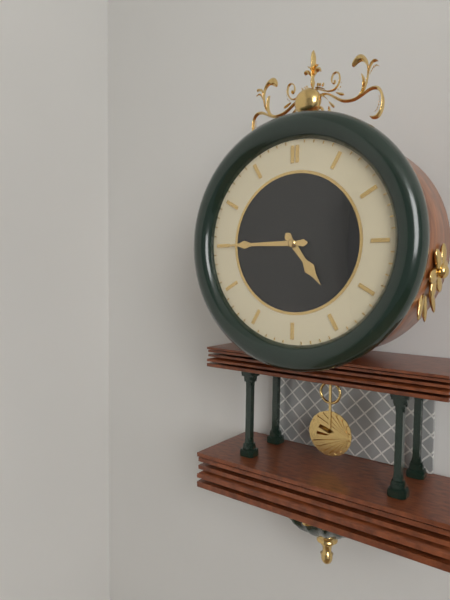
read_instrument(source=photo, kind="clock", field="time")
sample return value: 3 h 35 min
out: 4 h 45 min
